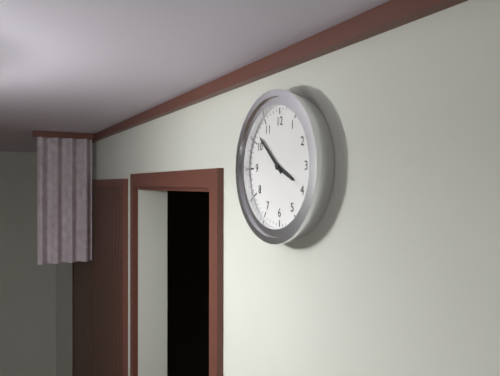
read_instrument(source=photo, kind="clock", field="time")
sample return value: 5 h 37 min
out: 3 h 52 min
